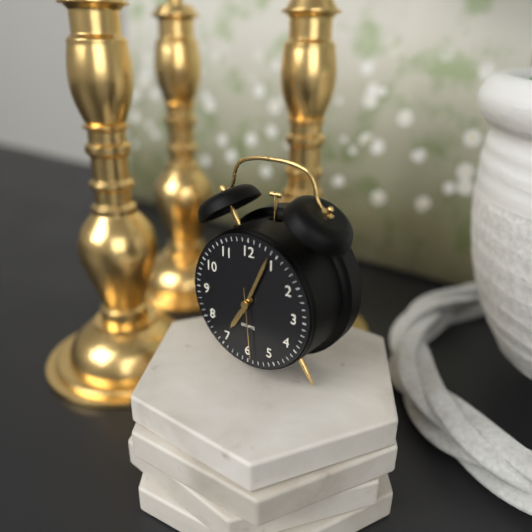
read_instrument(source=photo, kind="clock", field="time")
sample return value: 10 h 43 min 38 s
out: 7 h 04 min 29 s
